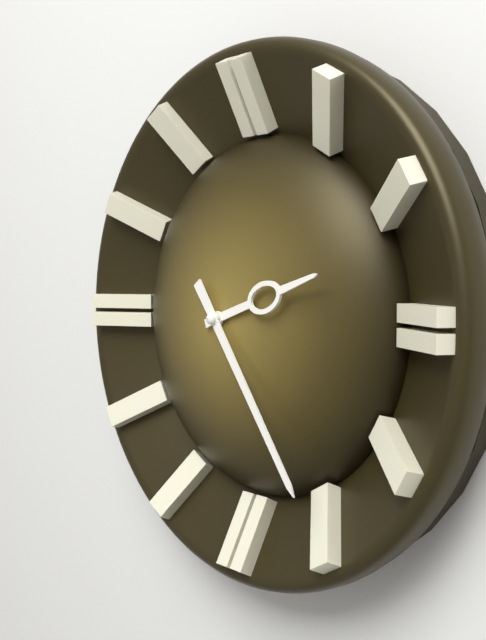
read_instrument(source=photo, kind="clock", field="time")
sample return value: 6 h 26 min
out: 2 h 24 min
